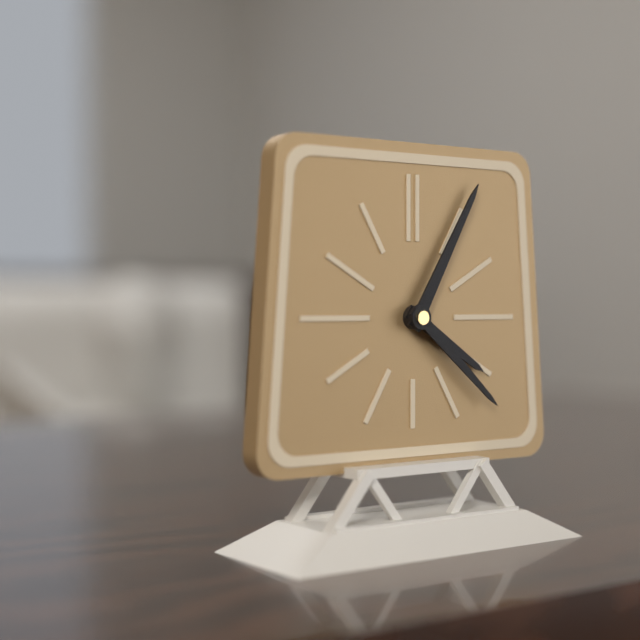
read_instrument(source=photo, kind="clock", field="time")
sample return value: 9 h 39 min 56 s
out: 4 h 05 min 22 s
